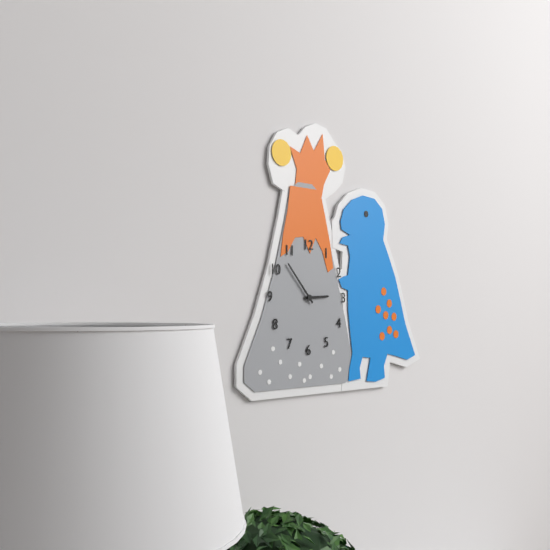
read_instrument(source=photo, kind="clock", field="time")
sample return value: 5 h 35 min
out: 2 h 53 min
